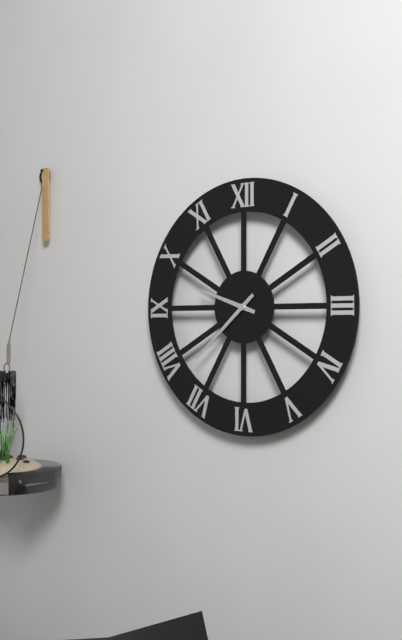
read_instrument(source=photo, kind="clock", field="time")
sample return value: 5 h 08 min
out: 9 h 38 min
